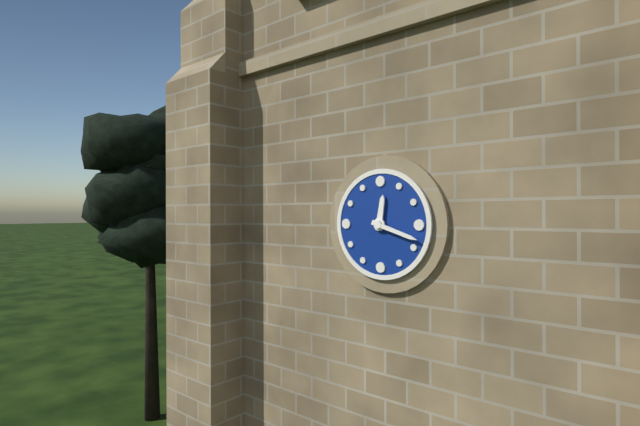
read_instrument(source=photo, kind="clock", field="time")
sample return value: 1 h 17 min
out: 12 h 18 min
